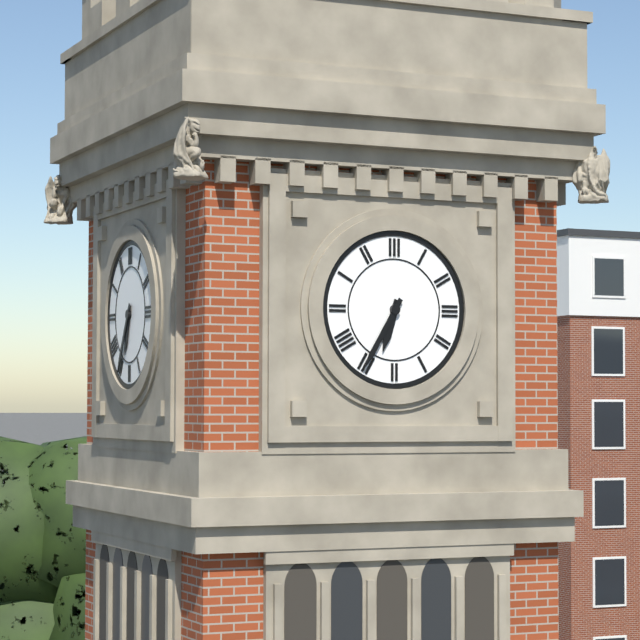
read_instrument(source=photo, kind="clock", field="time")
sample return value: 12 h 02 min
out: 6 h 35 min
